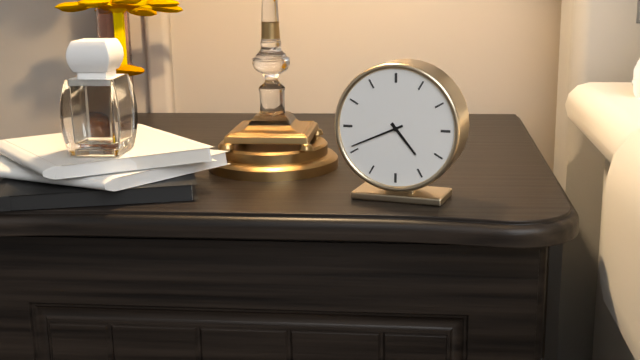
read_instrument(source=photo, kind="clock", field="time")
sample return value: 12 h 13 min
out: 4 h 41 min
